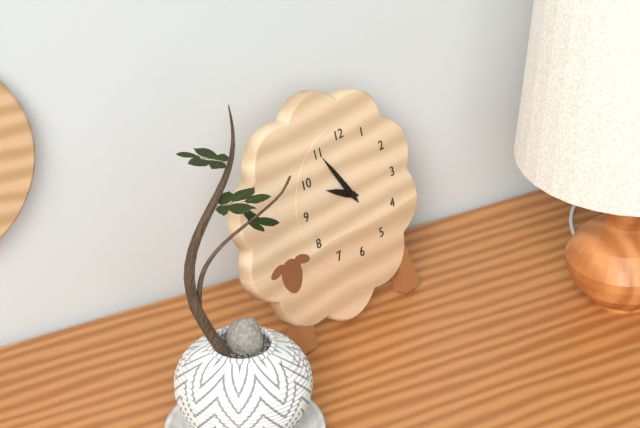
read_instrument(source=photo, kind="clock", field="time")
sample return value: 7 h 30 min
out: 9 h 55 min
